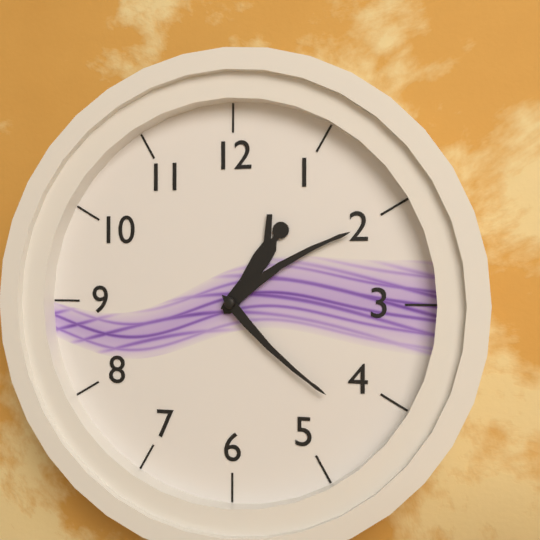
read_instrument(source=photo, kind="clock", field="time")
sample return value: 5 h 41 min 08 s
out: 1 h 10 min 22 s
